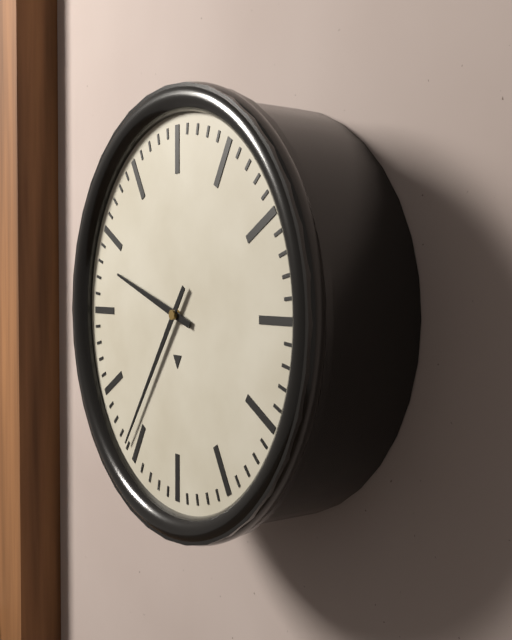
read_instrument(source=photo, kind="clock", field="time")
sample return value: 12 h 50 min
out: 9 h 36 min
